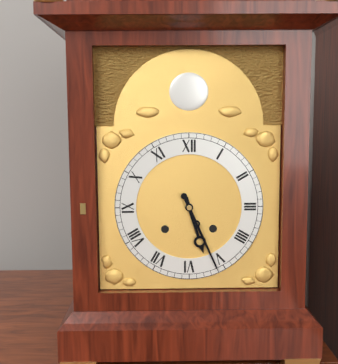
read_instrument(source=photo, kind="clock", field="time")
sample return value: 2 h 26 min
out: 5 h 26 min
